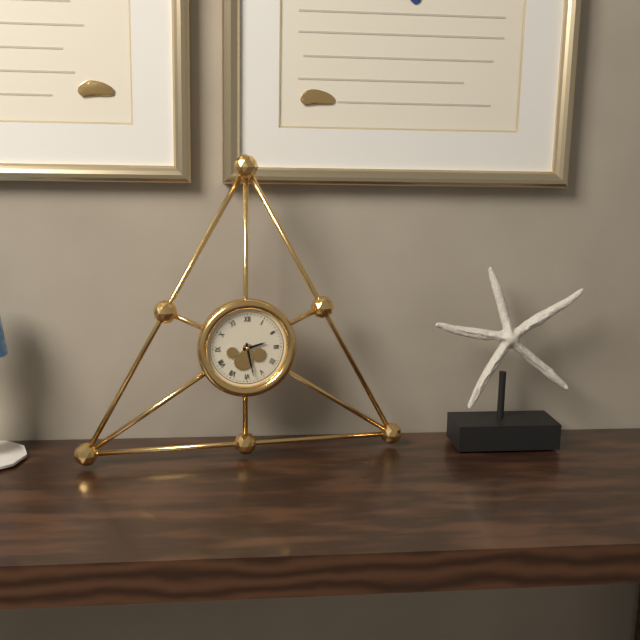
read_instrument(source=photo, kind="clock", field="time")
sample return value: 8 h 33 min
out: 2 h 28 min
